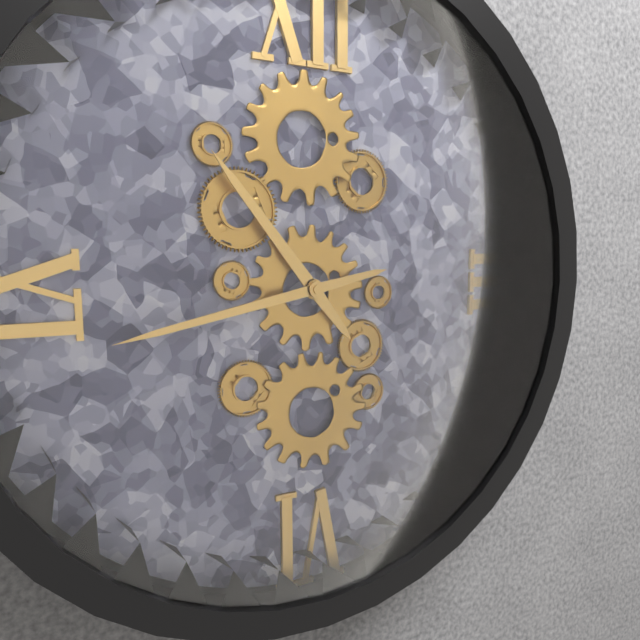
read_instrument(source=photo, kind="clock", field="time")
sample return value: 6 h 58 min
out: 10 h 43 min
